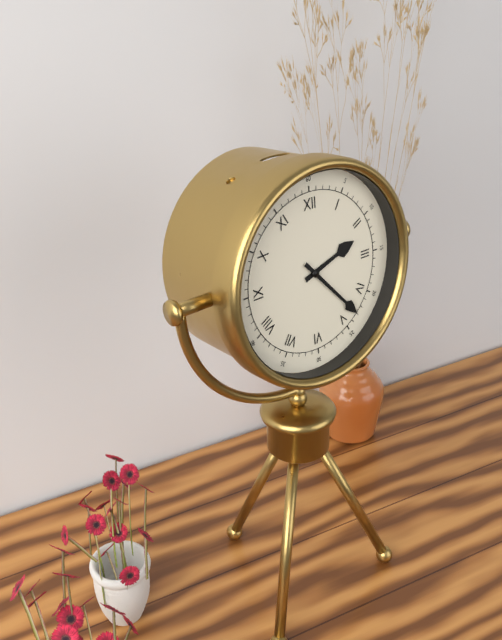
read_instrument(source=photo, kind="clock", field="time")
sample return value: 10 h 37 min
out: 2 h 23 min
